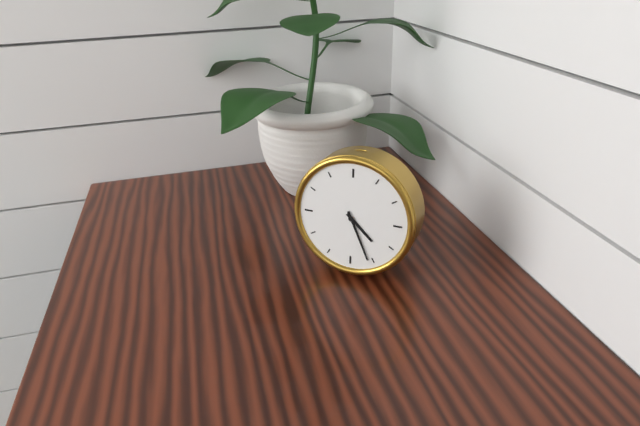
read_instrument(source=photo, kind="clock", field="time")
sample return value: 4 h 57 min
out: 4 h 26 min
